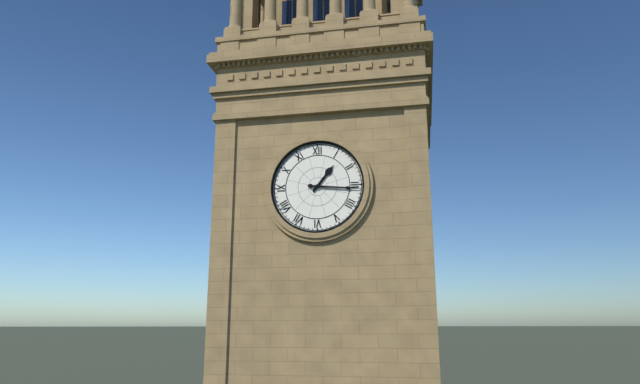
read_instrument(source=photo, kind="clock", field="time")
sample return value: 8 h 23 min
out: 1 h 16 min
